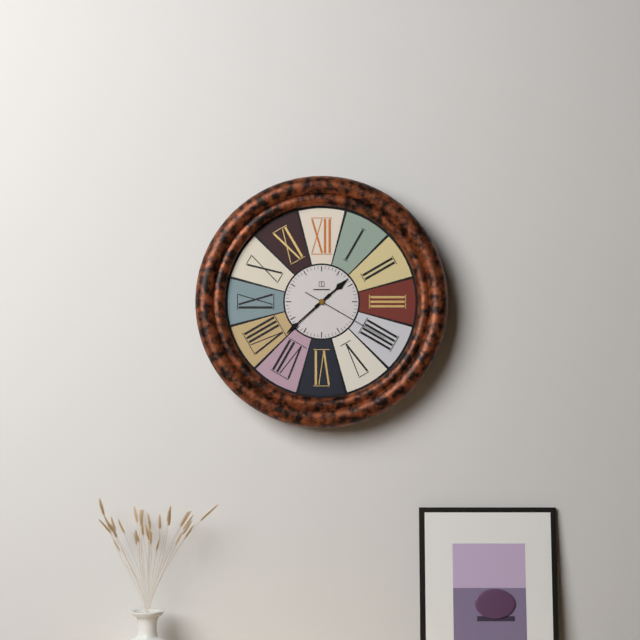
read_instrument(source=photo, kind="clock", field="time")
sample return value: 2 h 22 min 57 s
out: 1 h 38 min 20 s
